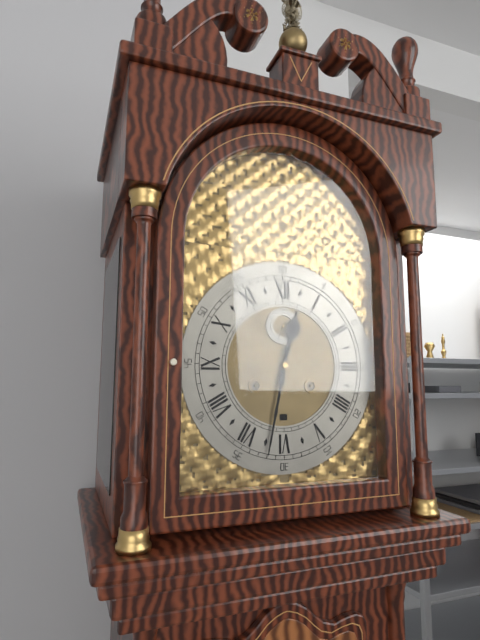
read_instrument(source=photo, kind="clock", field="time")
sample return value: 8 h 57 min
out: 12 h 32 min
